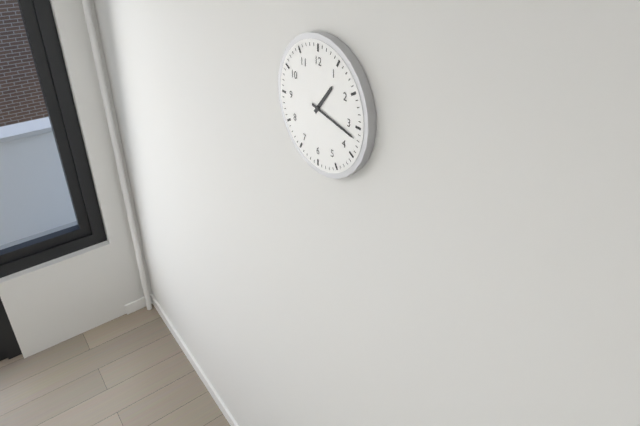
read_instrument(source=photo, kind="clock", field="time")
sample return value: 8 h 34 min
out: 1 h 17 min
